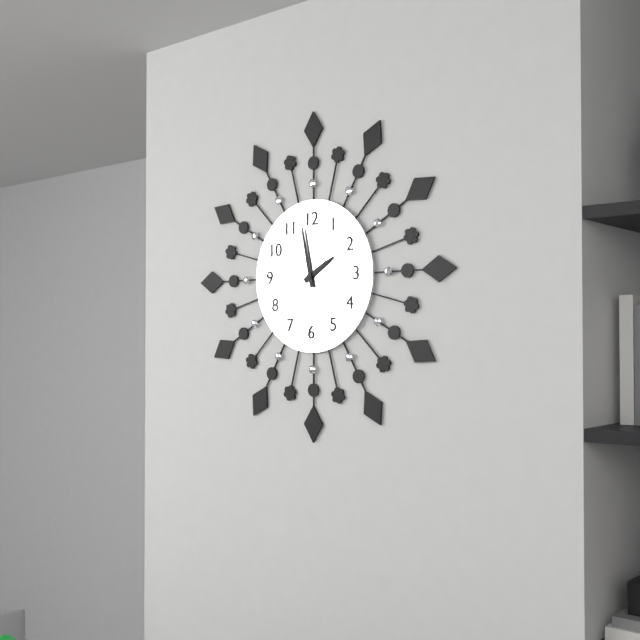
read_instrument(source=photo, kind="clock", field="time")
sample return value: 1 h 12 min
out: 1 h 58 min
